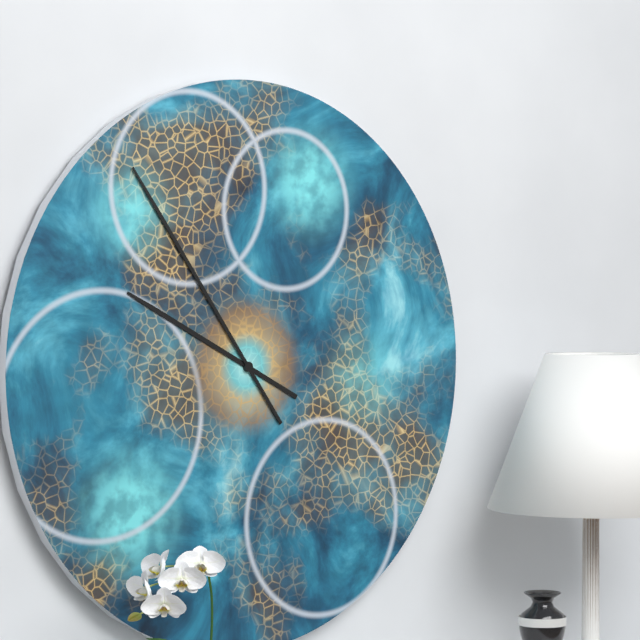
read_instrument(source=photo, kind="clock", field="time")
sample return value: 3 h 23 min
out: 9 h 54 min
